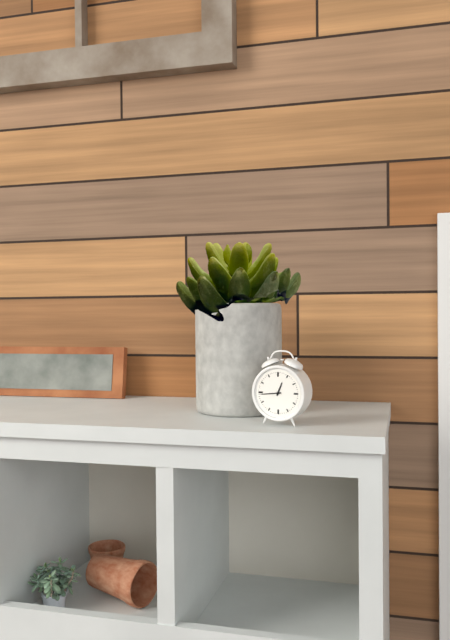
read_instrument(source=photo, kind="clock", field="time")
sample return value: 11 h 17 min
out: 12 h 44 min
